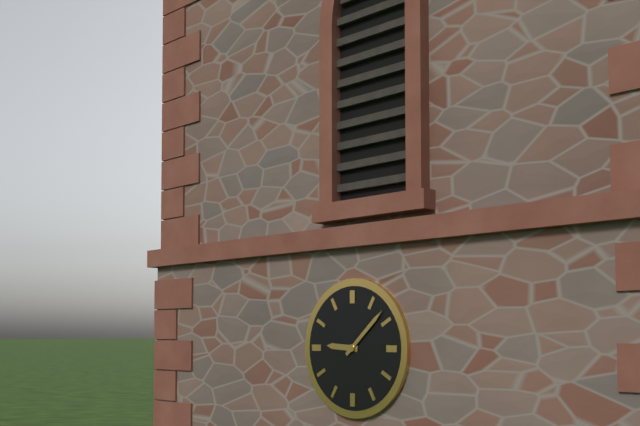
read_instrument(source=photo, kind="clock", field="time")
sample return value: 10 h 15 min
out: 9 h 08 min
